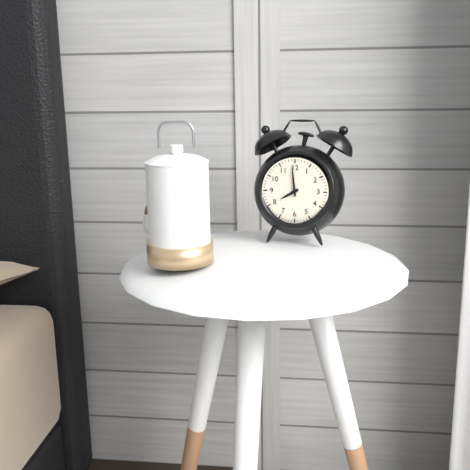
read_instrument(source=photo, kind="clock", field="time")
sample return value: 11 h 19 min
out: 7 h 59 min
